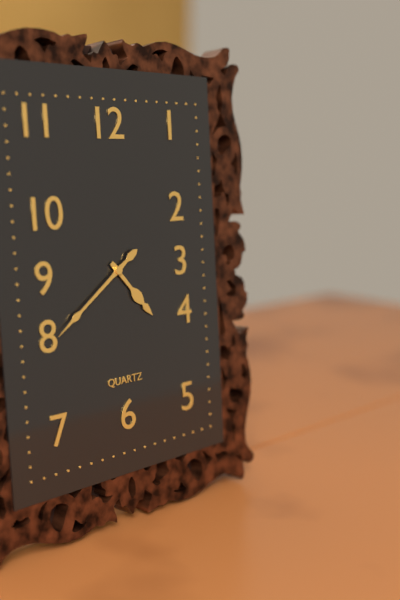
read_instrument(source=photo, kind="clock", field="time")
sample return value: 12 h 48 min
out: 4 h 39 min
